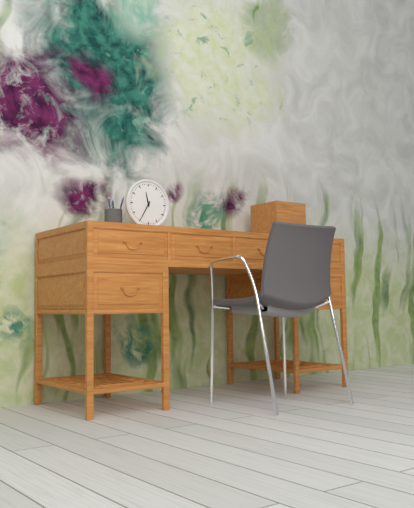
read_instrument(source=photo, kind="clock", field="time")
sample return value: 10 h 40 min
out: 11 h 35 min
